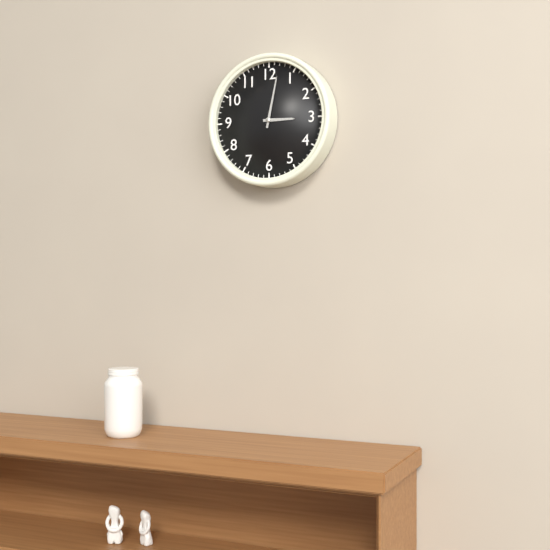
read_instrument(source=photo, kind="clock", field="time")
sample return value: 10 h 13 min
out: 3 h 02 min
